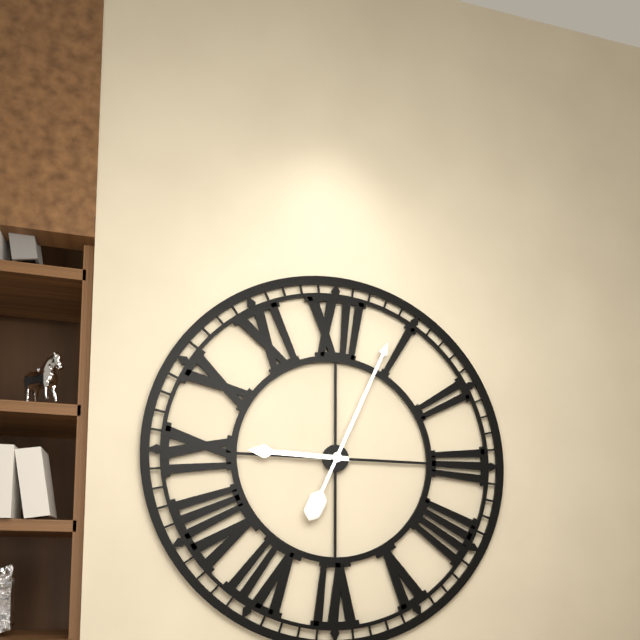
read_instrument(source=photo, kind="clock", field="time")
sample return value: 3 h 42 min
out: 9 h 04 min
